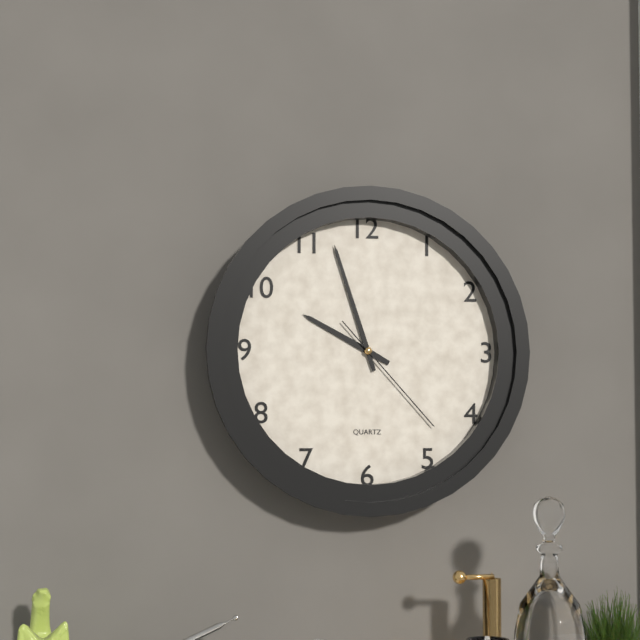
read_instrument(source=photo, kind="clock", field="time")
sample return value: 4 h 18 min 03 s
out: 9 h 57 min 23 s
